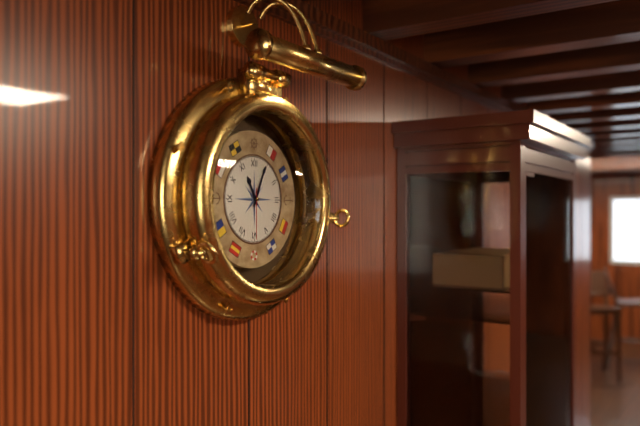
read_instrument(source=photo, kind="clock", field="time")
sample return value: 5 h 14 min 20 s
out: 11 h 04 min 30 s
